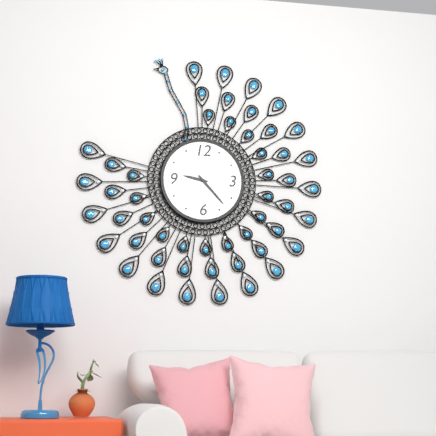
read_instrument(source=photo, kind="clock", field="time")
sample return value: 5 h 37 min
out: 9 h 23 min
